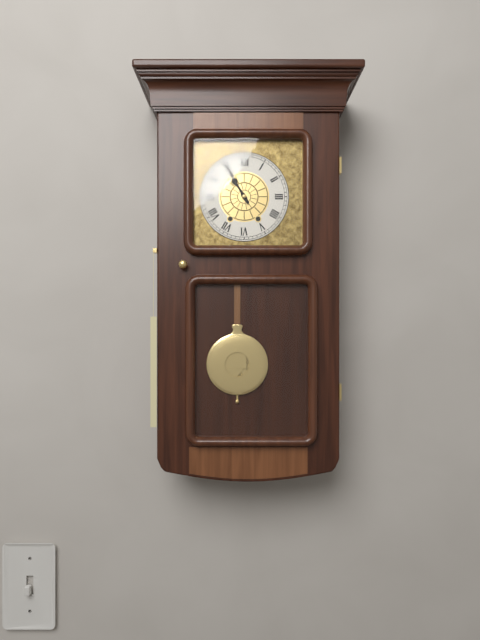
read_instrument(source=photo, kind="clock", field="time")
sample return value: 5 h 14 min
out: 10 h 55 min
